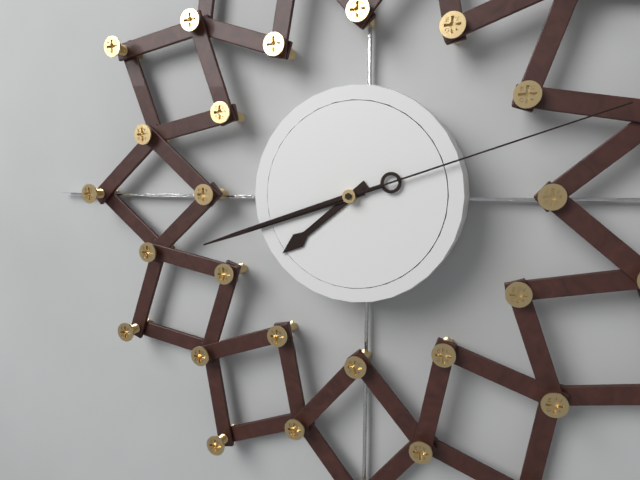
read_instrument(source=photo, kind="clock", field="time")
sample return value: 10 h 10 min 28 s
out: 7 h 42 min 12 s
